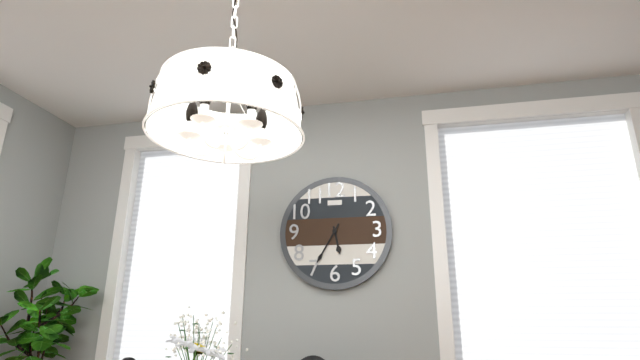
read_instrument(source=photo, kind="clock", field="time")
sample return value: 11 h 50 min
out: 5 h 35 min
